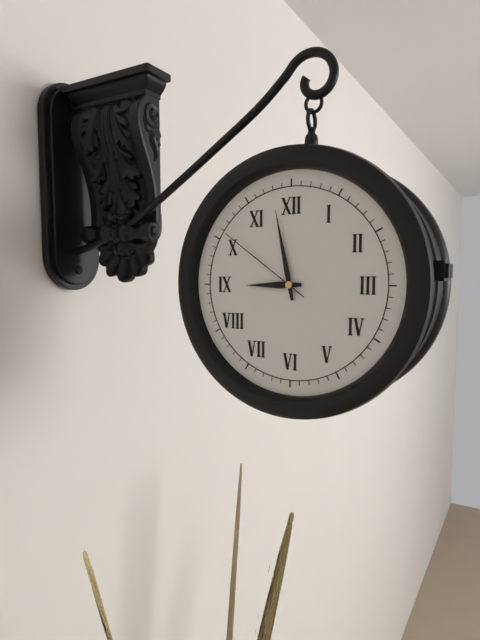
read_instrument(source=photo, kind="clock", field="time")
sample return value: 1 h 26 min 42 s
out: 8 h 58 min 51 s
